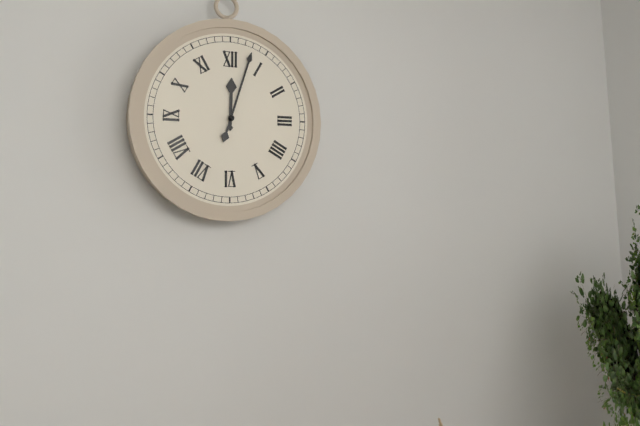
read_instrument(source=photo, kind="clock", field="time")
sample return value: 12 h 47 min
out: 12 h 03 min
